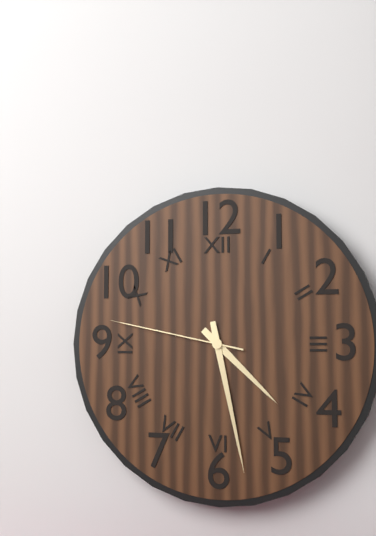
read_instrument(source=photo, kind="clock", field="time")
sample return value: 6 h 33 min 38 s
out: 4 h 28 min 47 s
